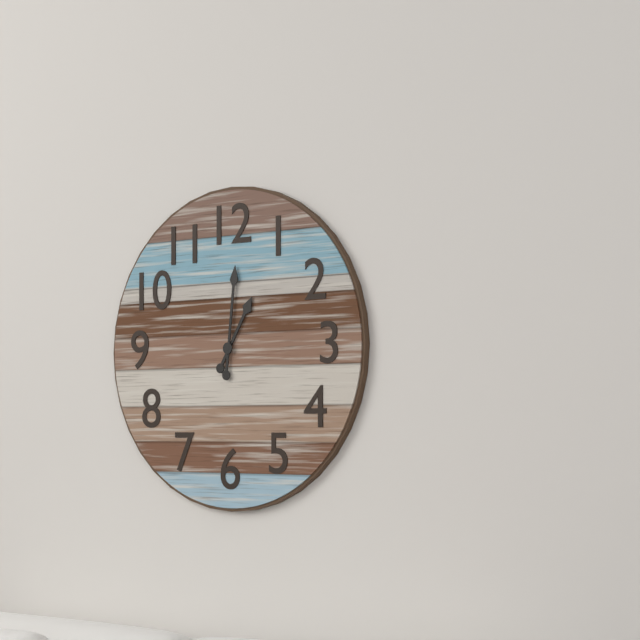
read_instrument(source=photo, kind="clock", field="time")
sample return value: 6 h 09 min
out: 1 h 01 min
